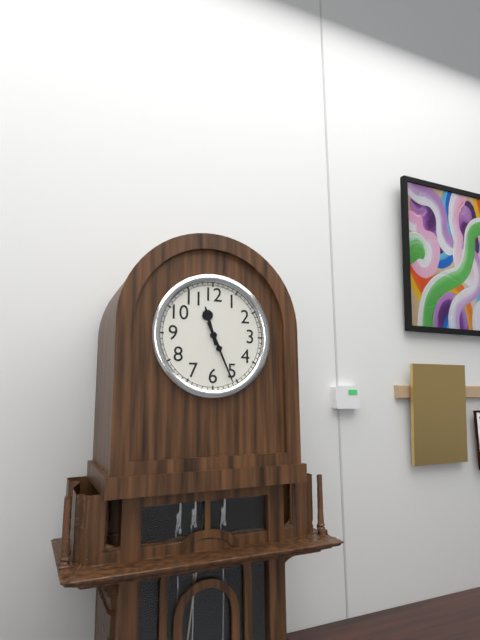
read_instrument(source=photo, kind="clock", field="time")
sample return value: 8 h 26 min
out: 11 h 26 min
